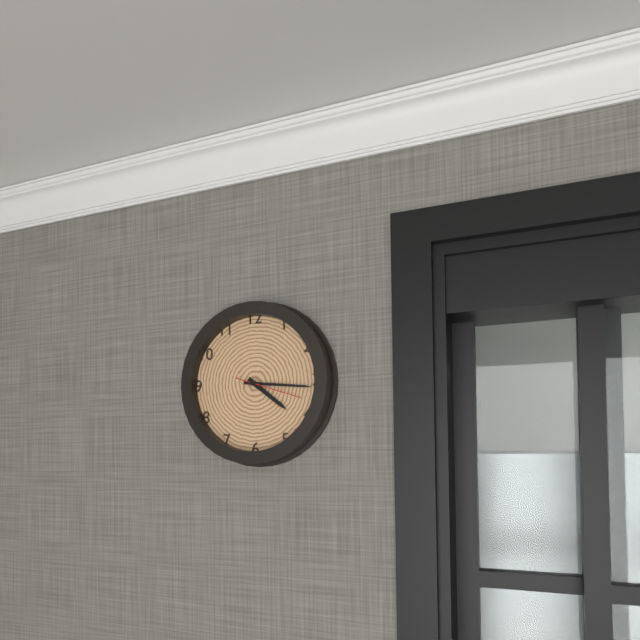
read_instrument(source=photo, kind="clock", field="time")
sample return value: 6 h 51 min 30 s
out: 4 h 16 min 18 s
